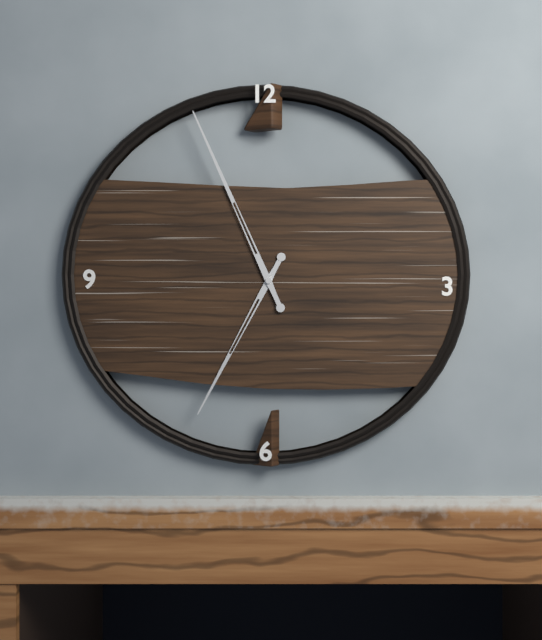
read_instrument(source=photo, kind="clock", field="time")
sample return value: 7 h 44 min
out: 6 h 56 min
